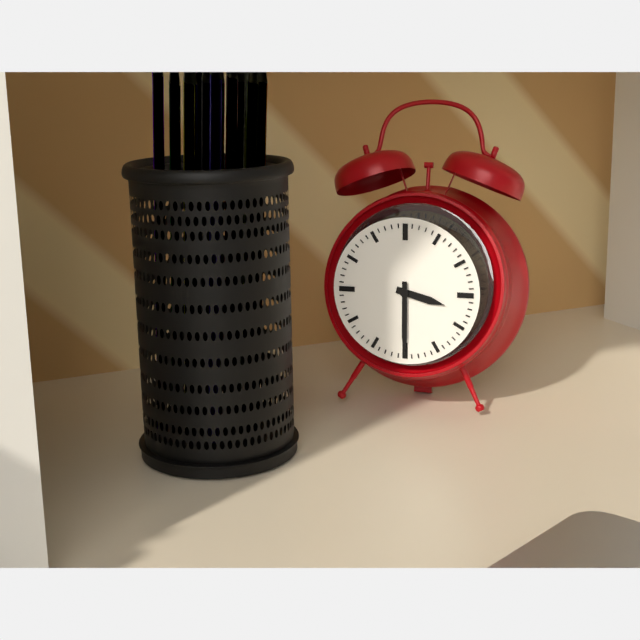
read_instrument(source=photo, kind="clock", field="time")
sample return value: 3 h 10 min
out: 3 h 30 min
